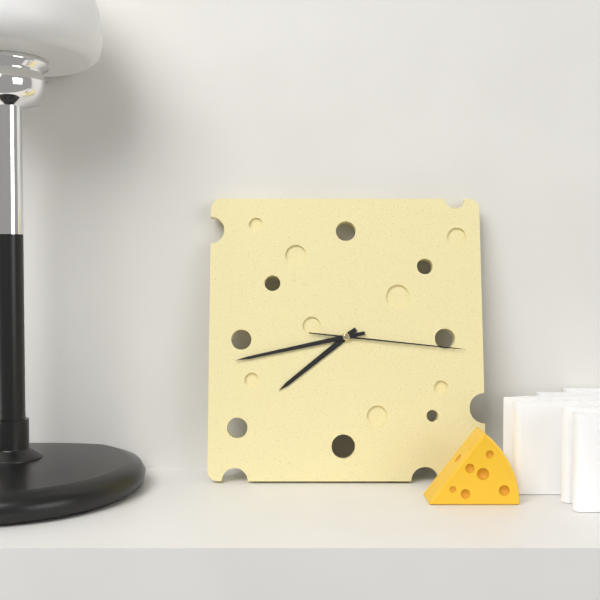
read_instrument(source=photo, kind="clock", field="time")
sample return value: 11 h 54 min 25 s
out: 7 h 43 min 16 s
